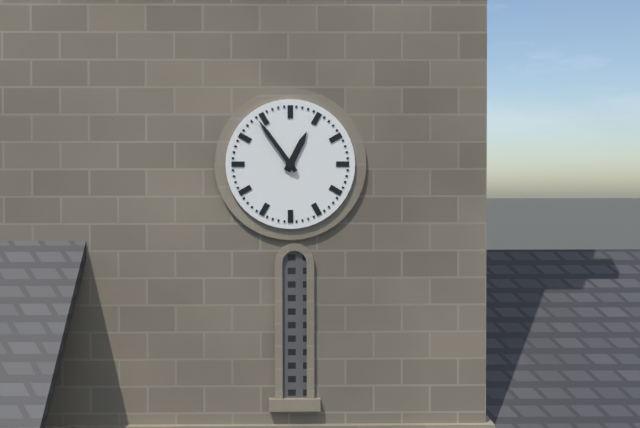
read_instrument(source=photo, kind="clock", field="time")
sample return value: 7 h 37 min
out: 12 h 54 min
